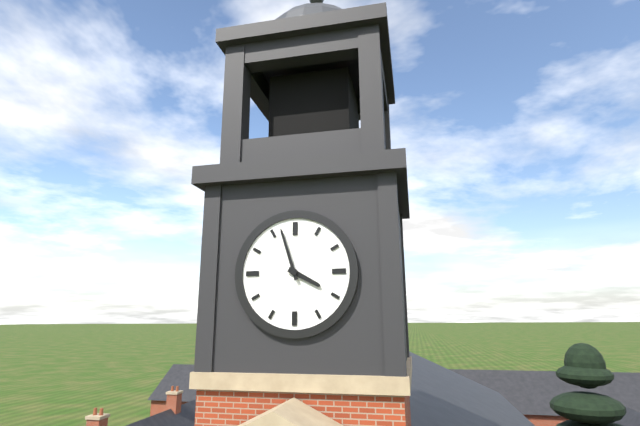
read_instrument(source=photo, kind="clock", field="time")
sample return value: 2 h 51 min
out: 3 h 57 min
